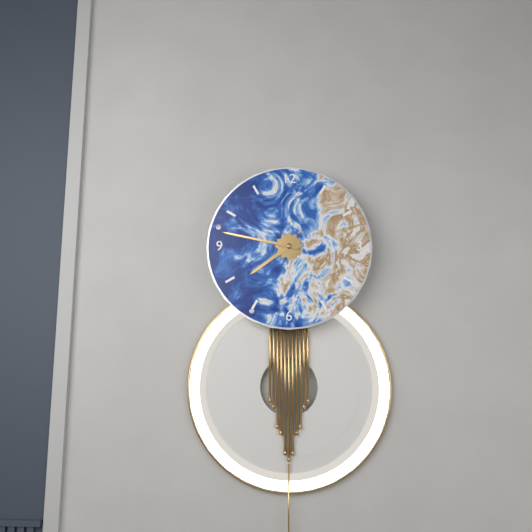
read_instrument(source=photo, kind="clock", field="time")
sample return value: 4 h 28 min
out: 7 h 47 min
